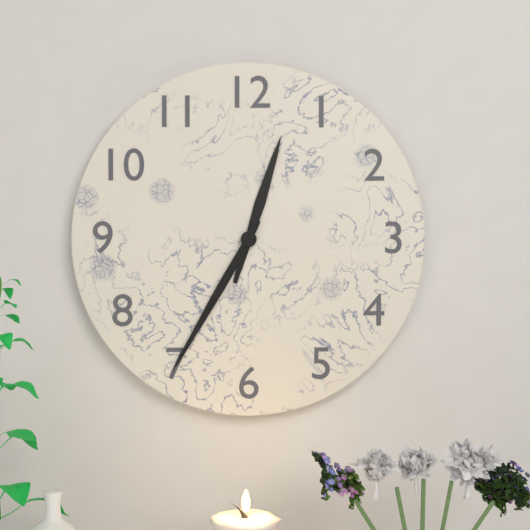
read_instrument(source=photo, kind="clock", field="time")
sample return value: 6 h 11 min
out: 12 h 35 min
